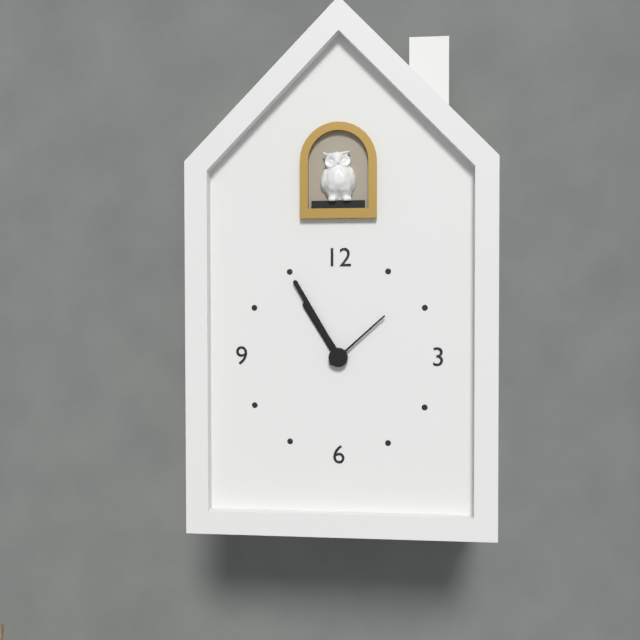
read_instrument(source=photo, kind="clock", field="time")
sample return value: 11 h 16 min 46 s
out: 10 h 55 min 08 s
